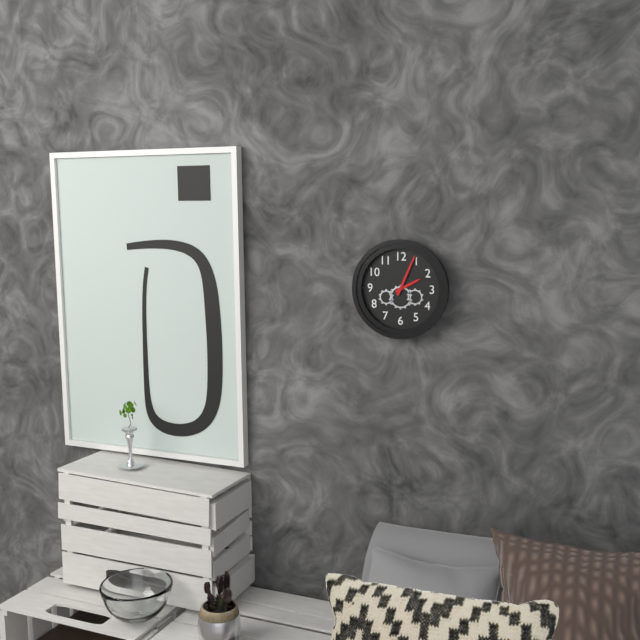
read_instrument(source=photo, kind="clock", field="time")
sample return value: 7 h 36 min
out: 2 h 04 min
